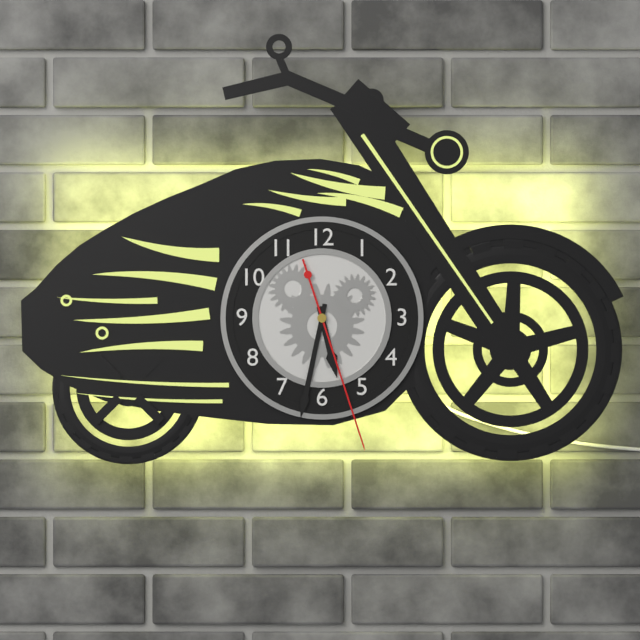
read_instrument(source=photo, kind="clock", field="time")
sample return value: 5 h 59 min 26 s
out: 5 h 32 min 27 s
